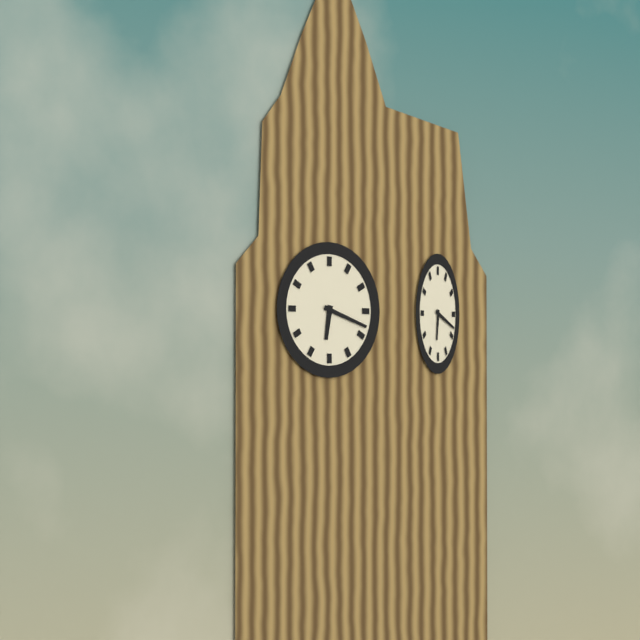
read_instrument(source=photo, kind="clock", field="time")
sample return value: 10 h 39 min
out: 6 h 18 min
